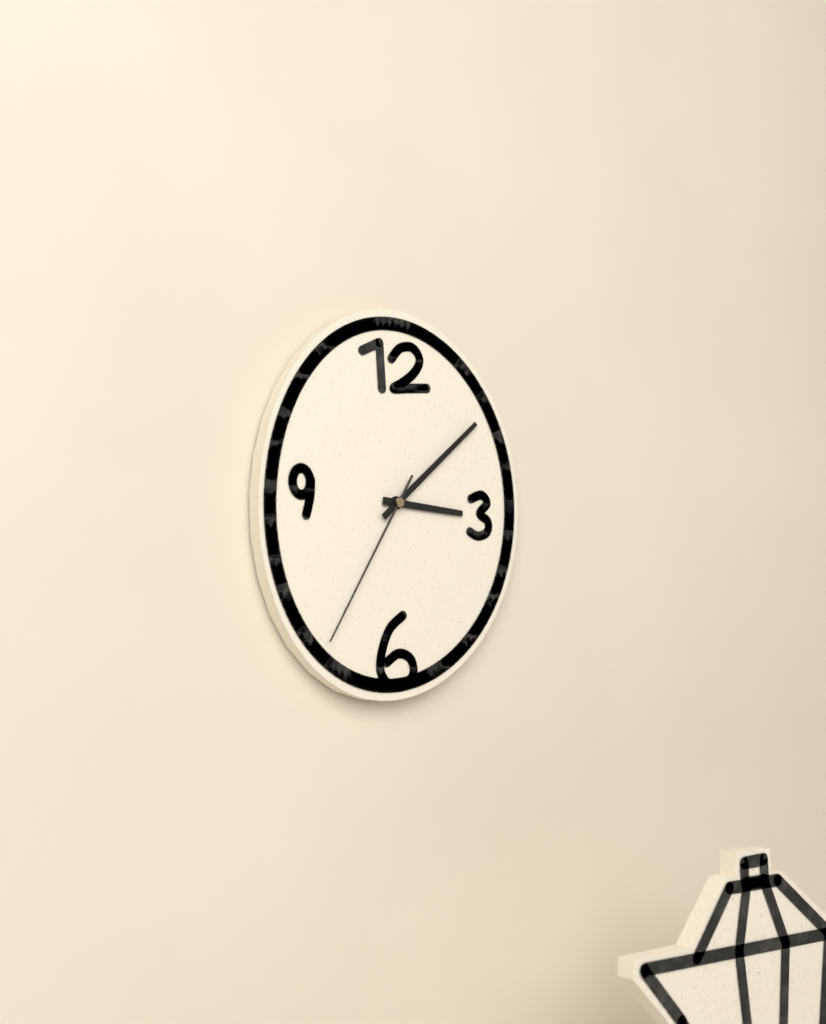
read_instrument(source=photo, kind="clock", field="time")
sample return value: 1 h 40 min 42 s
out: 3 h 08 min 35 s
